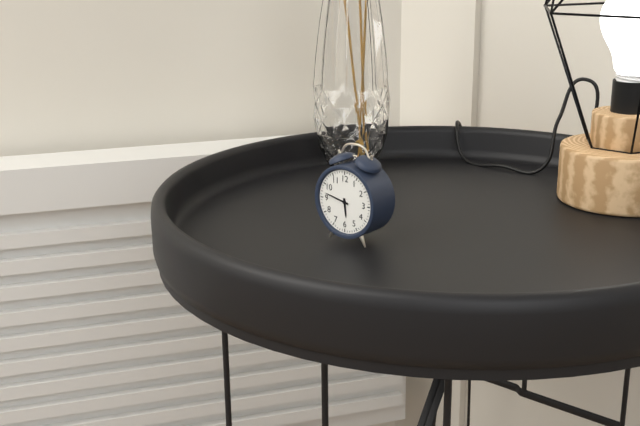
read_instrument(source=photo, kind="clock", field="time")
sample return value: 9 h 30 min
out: 5 h 47 min
